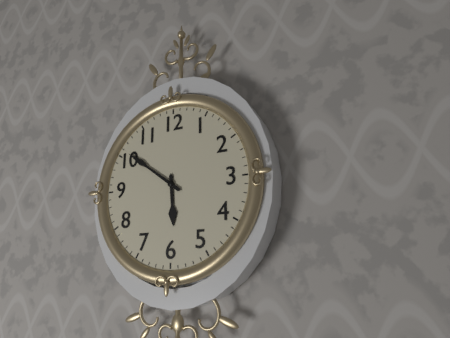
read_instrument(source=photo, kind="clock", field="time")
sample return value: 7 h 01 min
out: 5 h 51 min
